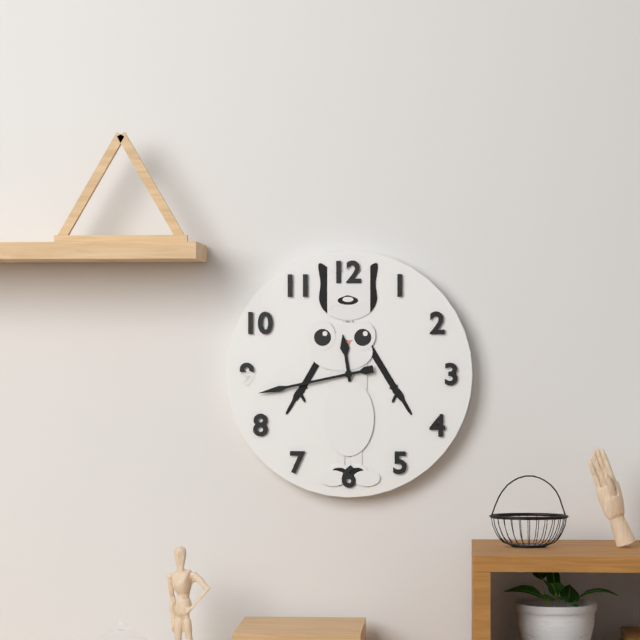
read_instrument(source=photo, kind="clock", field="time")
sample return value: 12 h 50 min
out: 11 h 43 min
